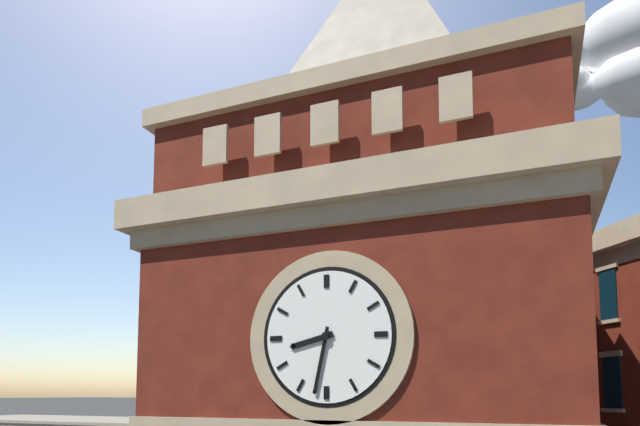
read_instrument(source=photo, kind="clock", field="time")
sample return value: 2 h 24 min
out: 8 h 32 min
